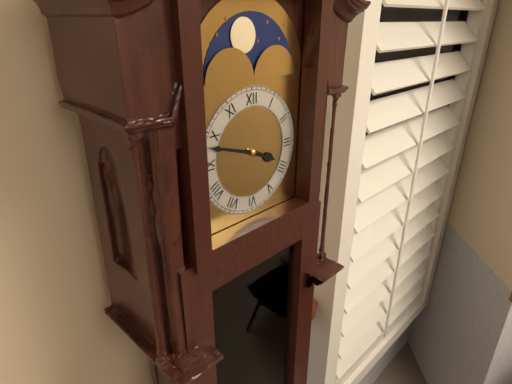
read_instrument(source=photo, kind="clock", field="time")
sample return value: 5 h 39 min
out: 3 h 48 min
